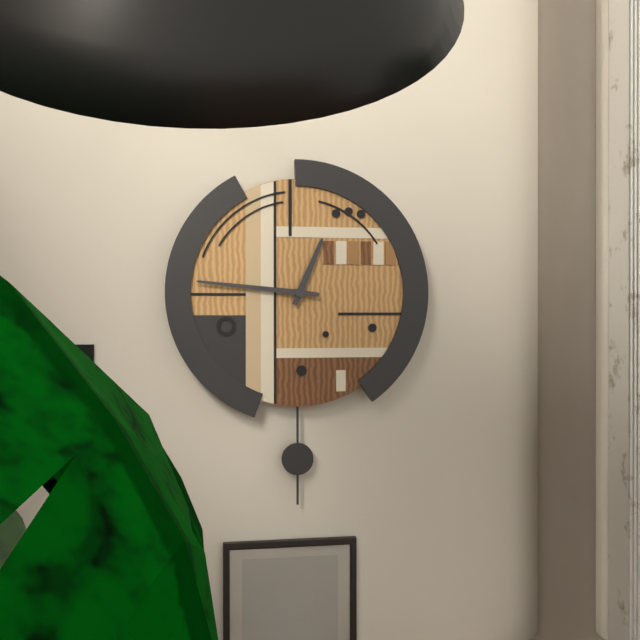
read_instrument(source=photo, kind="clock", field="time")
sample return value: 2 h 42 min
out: 12 h 46 min
